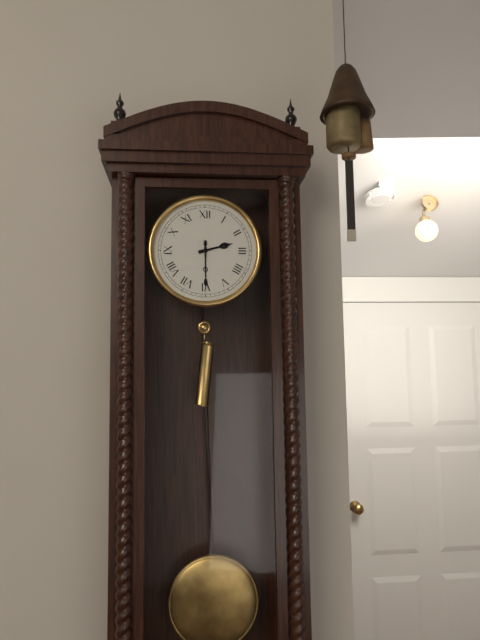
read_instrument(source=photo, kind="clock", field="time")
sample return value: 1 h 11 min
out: 2 h 30 min
